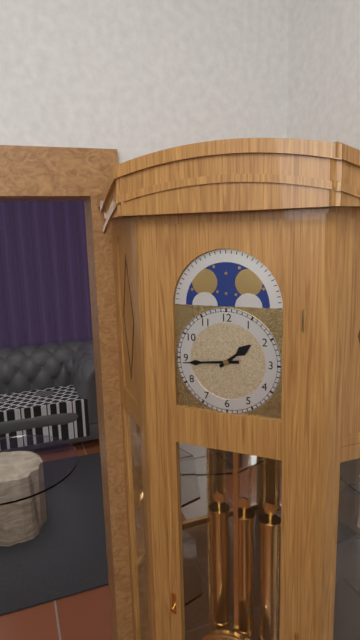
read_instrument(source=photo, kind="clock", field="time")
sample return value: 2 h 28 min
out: 1 h 44 min
